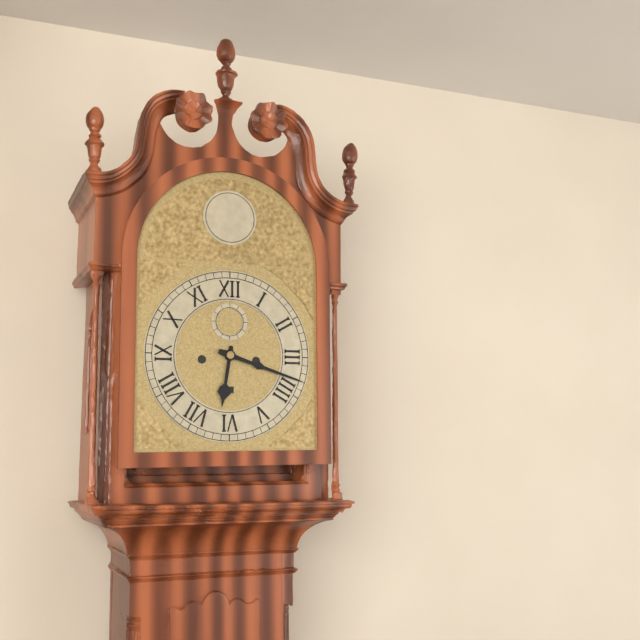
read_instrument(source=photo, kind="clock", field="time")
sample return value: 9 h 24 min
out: 6 h 18 min
